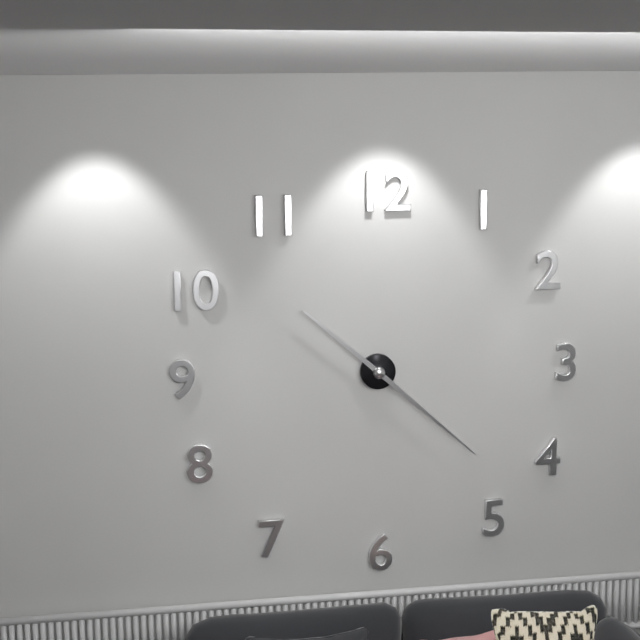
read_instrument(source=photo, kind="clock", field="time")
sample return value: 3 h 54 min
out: 10 h 22 min
